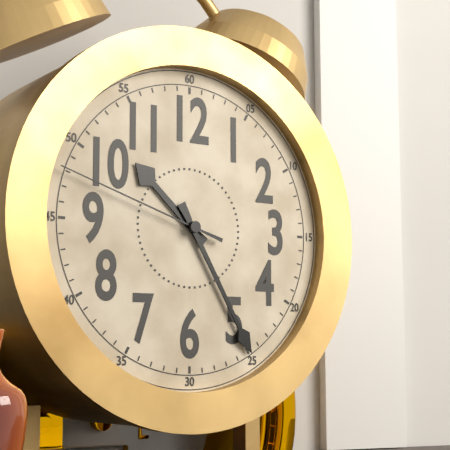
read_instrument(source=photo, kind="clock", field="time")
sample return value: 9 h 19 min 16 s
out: 10 h 25 min 48 s
